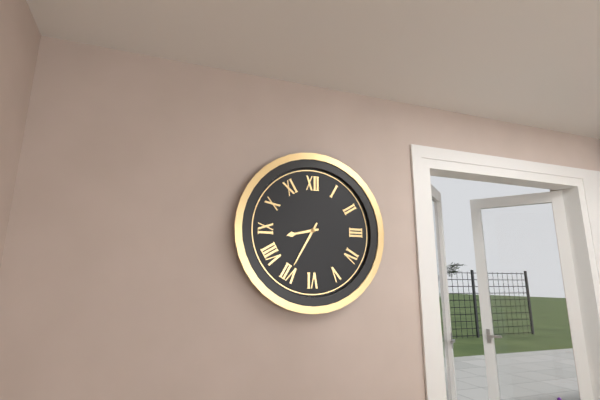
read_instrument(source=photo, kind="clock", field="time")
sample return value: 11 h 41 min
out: 8 h 35 min
